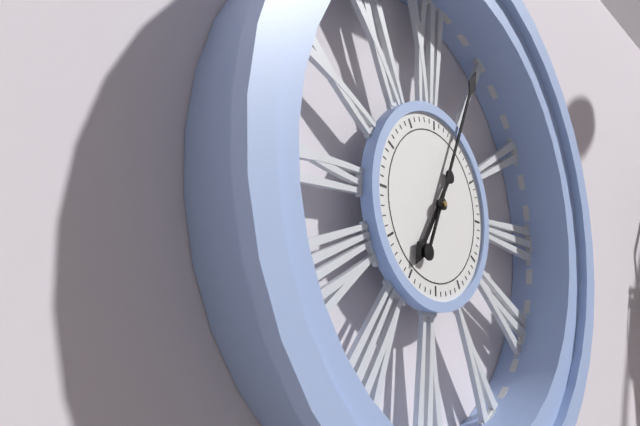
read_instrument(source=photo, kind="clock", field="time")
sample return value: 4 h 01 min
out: 7 h 04 min
